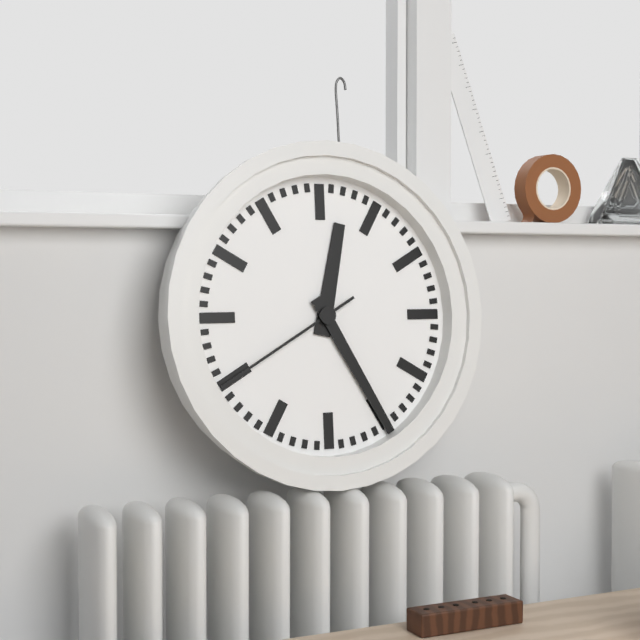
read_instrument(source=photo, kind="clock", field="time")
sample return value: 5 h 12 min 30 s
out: 12 h 25 min 40 s
